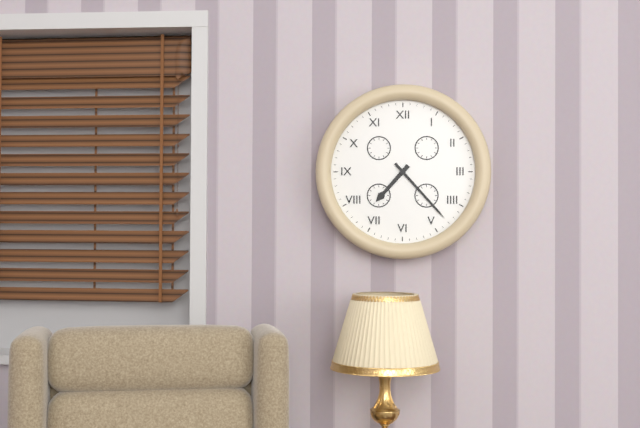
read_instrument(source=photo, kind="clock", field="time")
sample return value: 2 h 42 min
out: 7 h 23 min
